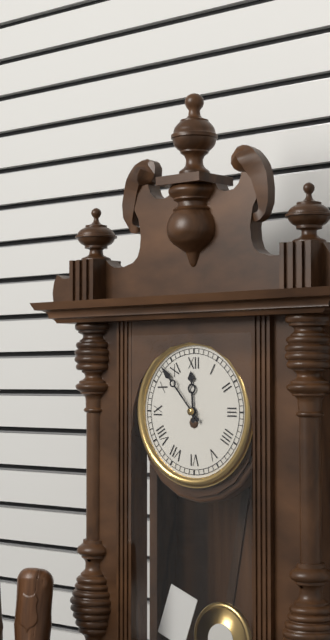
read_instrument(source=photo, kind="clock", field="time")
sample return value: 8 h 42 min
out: 11 h 53 min
